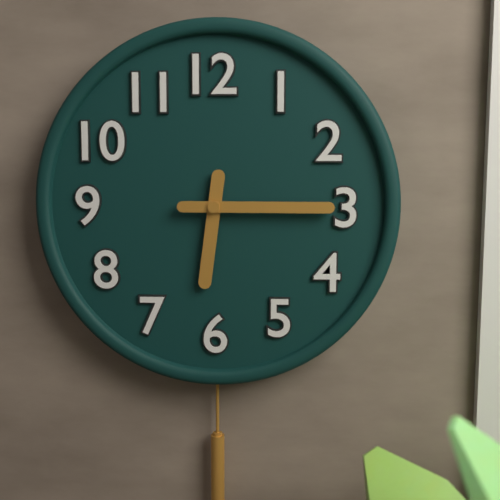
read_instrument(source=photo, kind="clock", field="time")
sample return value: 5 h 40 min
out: 6 h 15 min
